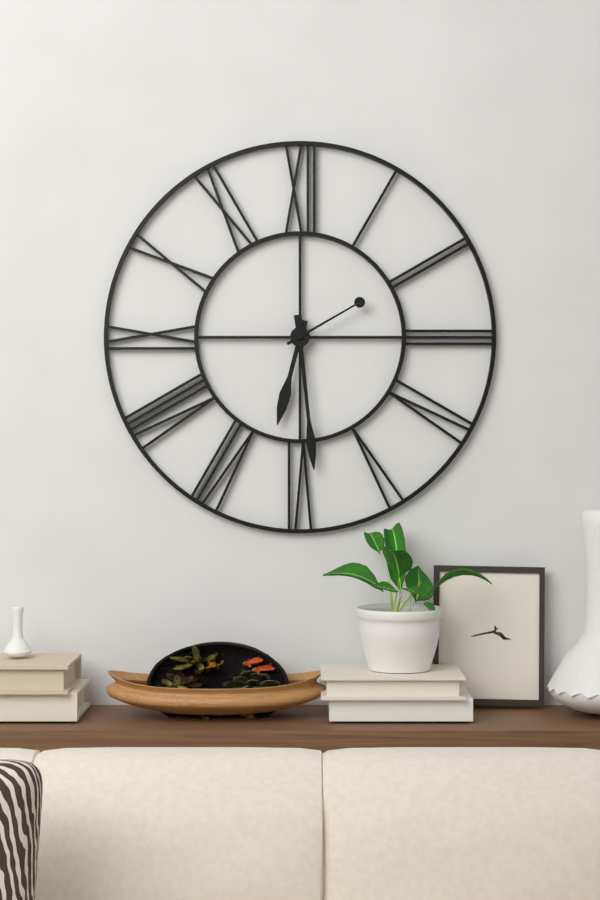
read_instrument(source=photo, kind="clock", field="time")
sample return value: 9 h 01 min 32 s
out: 6 h 29 min 10 s
